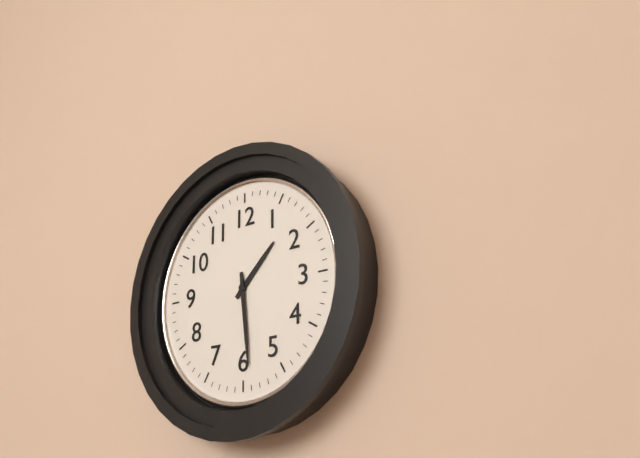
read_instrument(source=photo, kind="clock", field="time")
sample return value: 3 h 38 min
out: 1 h 29 min
